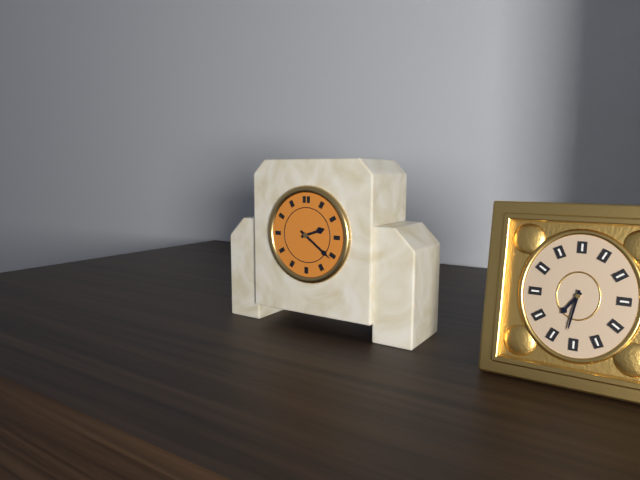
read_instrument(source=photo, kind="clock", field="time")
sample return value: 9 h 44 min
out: 2 h 21 min
